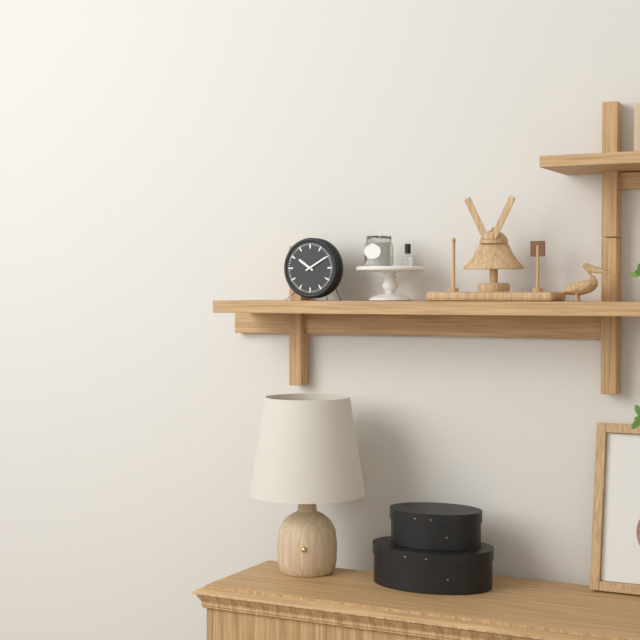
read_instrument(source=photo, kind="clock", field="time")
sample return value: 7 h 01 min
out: 10 h 10 min
